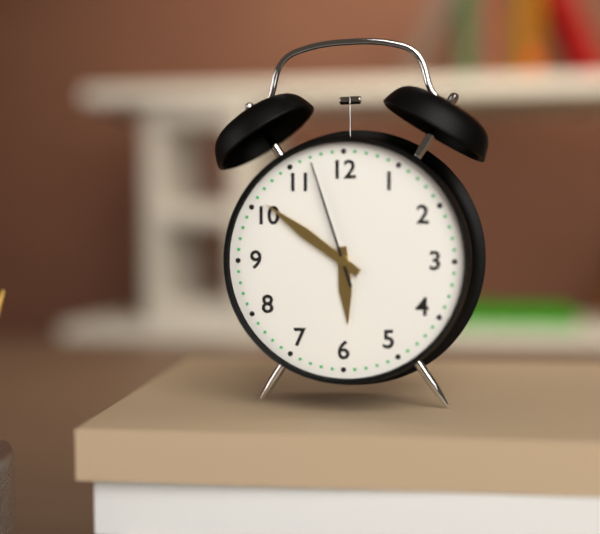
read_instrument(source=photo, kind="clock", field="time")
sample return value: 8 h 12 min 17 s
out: 5 h 51 min 57 s
